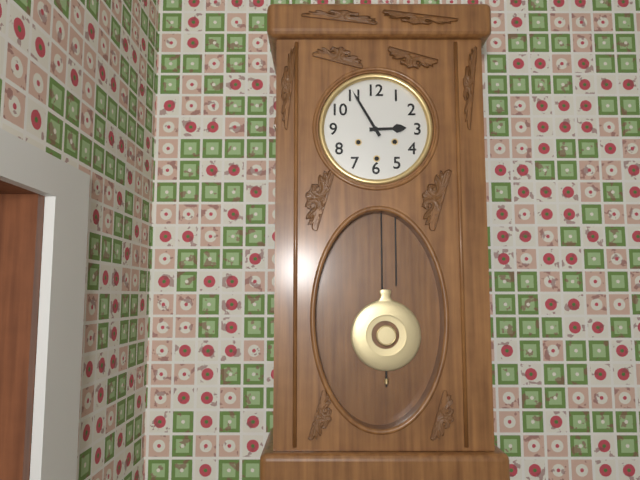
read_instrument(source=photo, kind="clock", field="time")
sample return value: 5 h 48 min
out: 2 h 55 min
